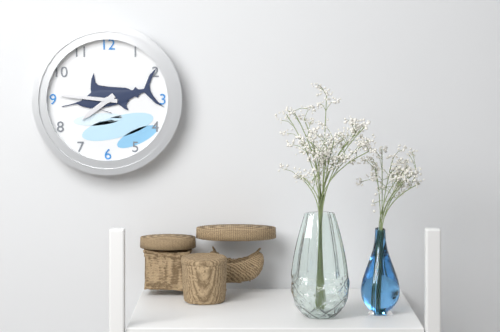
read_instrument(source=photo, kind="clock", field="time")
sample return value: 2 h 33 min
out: 7 h 46 min
